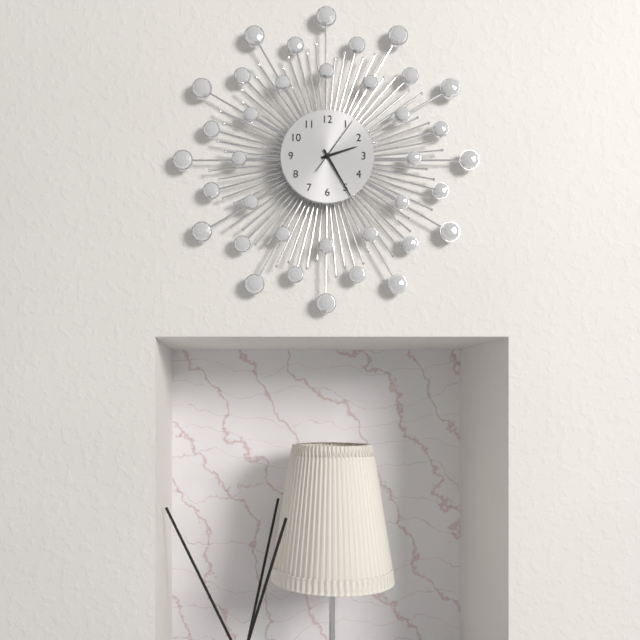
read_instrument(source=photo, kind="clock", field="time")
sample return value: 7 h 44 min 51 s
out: 2 h 25 min 06 s
